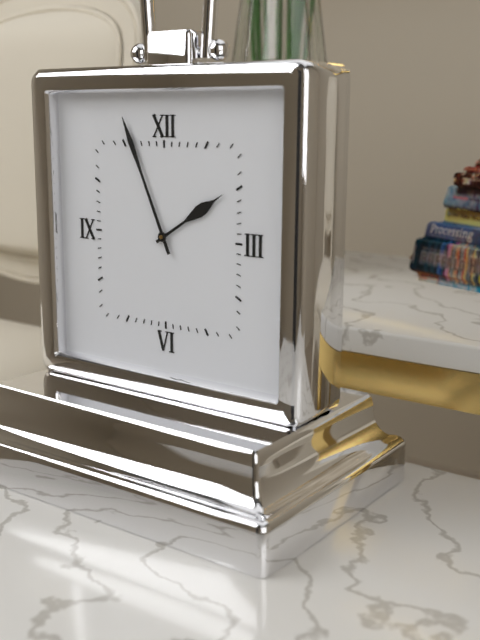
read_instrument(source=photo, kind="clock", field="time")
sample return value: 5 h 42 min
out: 1 h 56 min
